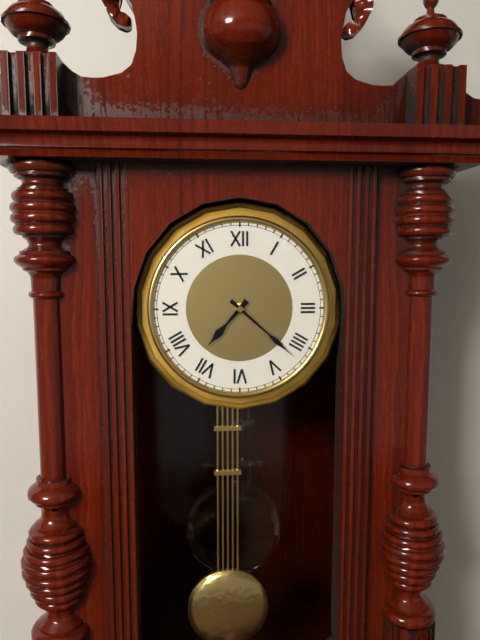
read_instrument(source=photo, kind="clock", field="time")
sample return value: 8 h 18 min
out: 7 h 22 min
